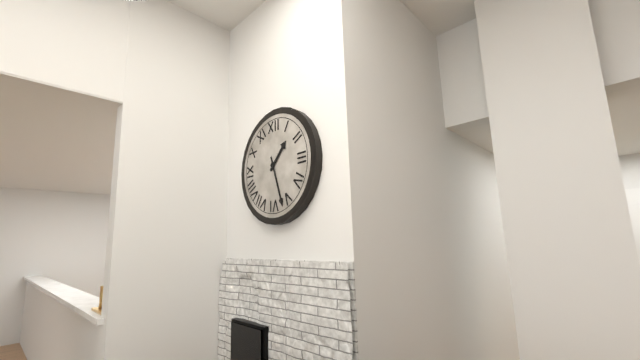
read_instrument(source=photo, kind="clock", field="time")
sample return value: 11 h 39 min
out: 1 h 27 min
